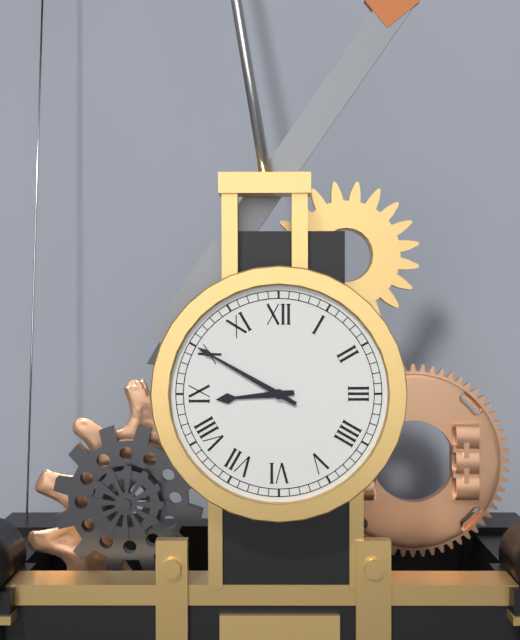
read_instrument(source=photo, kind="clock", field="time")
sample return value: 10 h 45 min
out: 8 h 50 min
